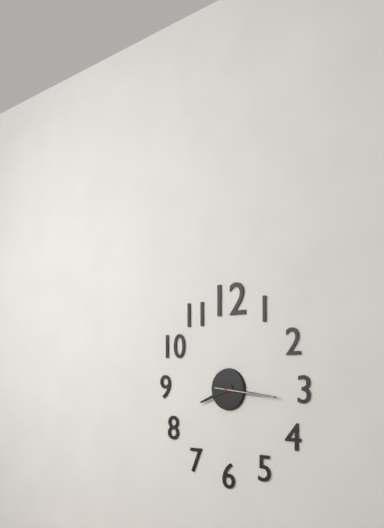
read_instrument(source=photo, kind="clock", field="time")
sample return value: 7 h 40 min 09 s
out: 8 h 16 min 16 s
